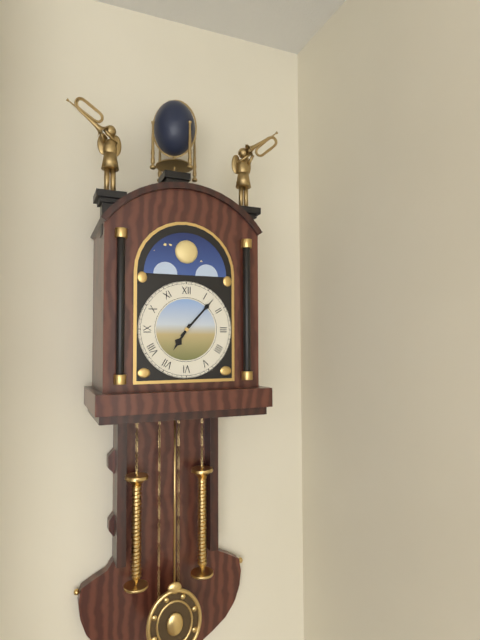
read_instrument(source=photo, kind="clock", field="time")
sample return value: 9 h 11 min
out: 7 h 07 min
